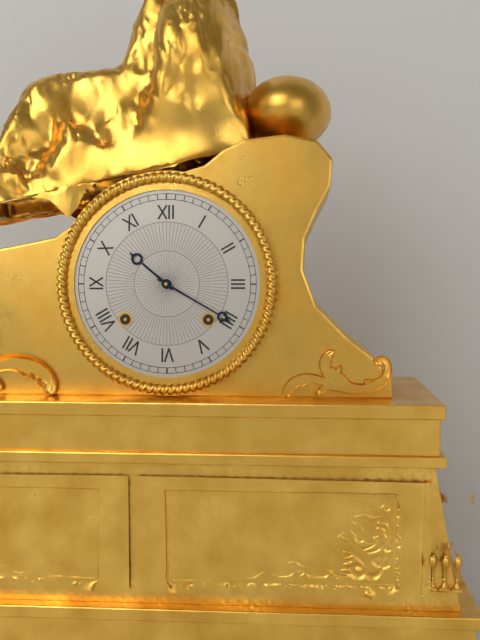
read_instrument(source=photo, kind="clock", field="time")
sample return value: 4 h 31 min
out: 10 h 20 min
